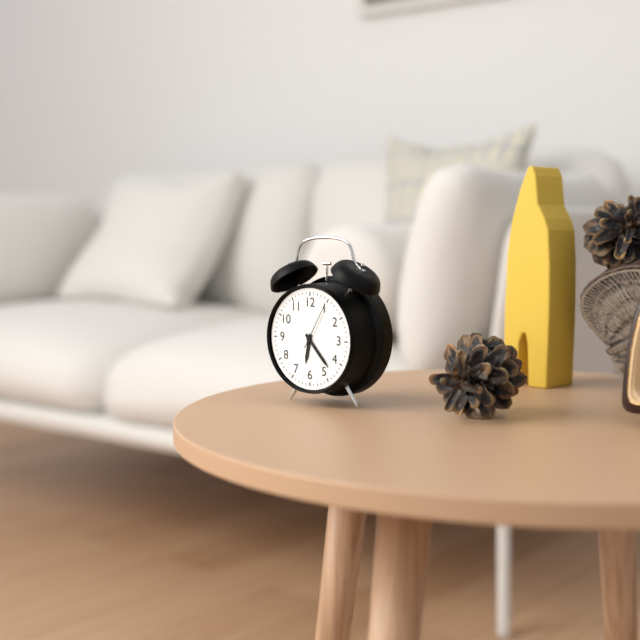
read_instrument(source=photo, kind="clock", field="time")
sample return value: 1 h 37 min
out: 6 h 23 min
